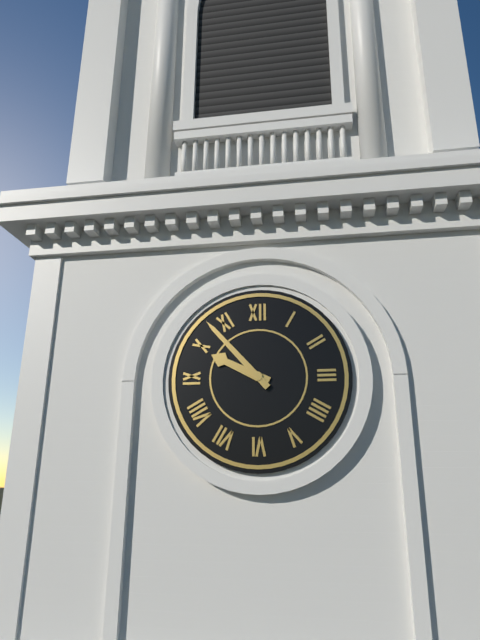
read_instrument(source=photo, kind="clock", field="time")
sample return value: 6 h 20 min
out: 9 h 53 min
